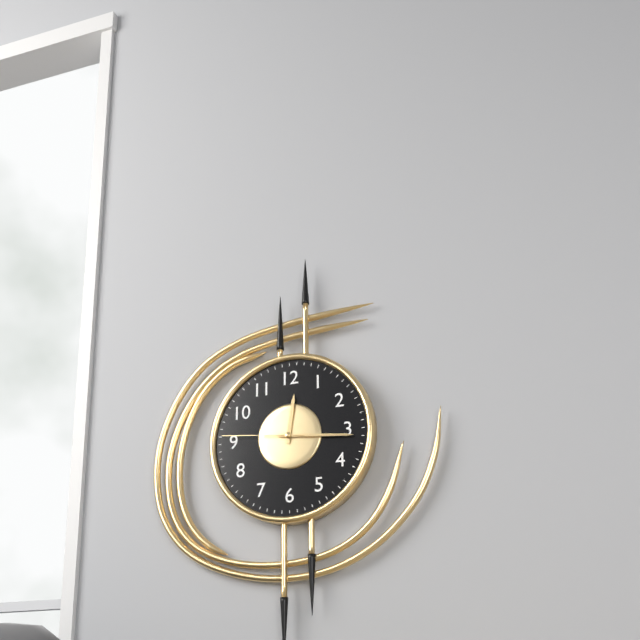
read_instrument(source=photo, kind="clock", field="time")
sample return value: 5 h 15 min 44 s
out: 12 h 16 min 46 s
